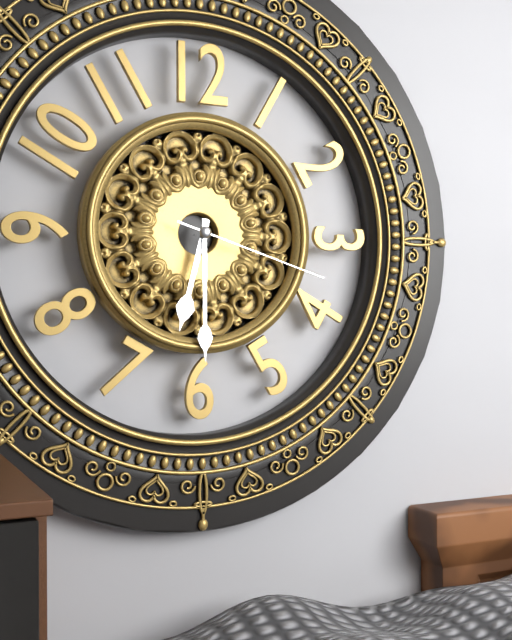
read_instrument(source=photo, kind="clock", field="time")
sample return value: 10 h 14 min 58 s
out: 6 h 30 min 18 s
